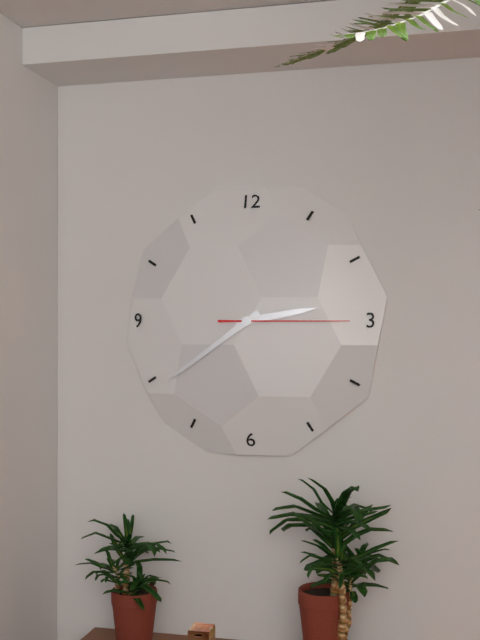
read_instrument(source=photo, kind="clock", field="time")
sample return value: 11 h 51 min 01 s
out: 2 h 39 min 15 s
